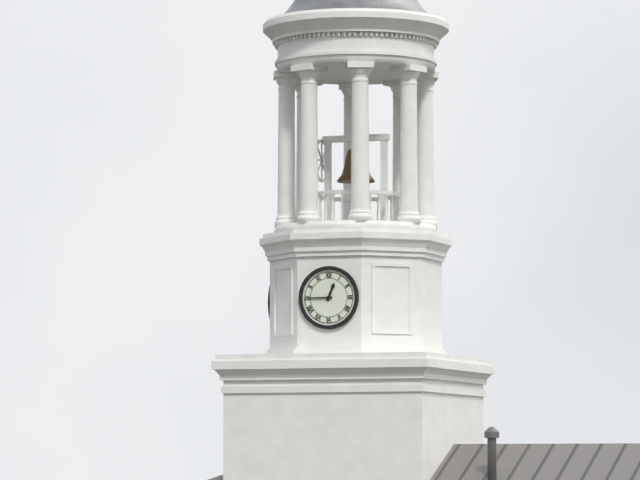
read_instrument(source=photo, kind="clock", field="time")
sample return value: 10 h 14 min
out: 12 h 45 min
